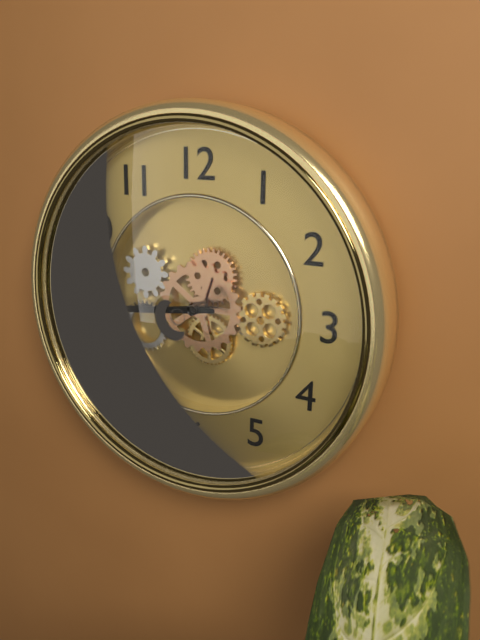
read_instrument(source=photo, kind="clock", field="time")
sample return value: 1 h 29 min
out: 8 h 44 min
